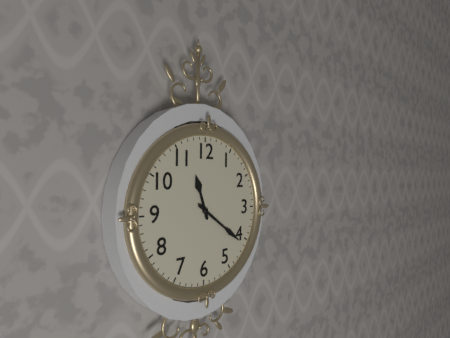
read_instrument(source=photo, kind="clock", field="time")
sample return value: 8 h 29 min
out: 11 h 21 min
